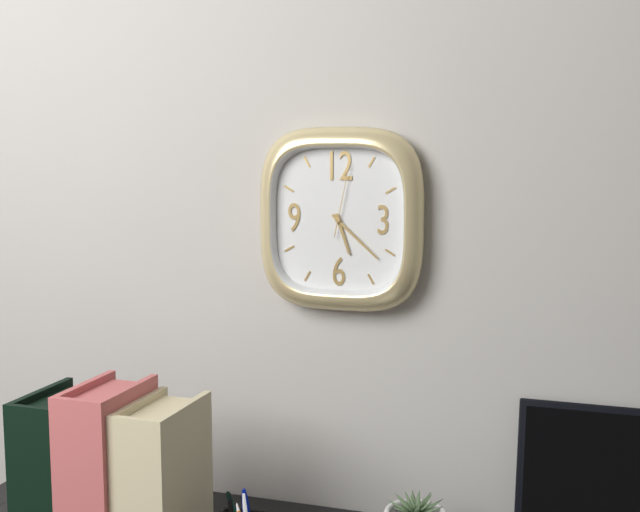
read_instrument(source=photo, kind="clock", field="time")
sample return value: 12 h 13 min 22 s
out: 5 h 22 min 02 s
